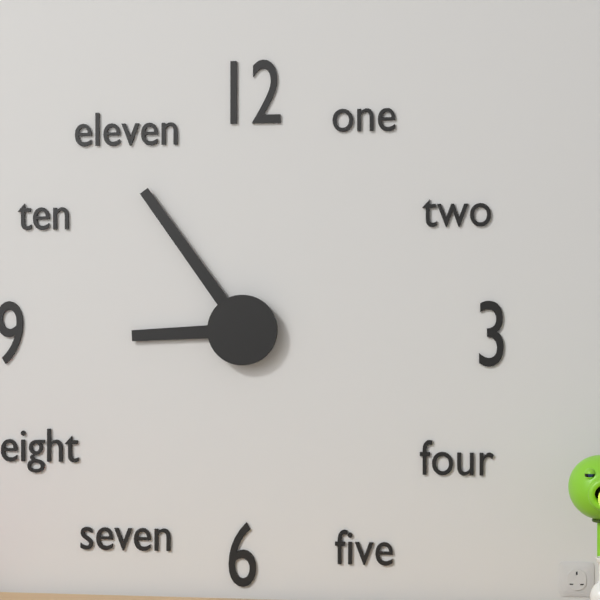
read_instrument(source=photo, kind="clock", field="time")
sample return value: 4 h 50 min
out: 8 h 54 min
